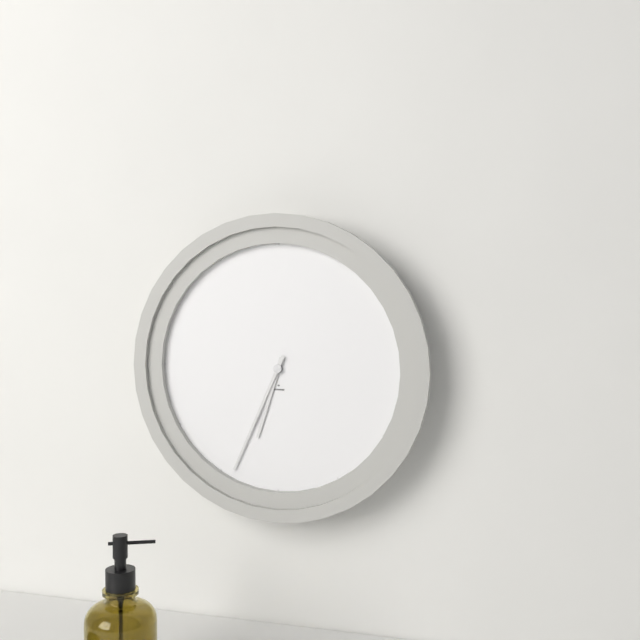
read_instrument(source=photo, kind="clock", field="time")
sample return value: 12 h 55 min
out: 6 h 34 min
